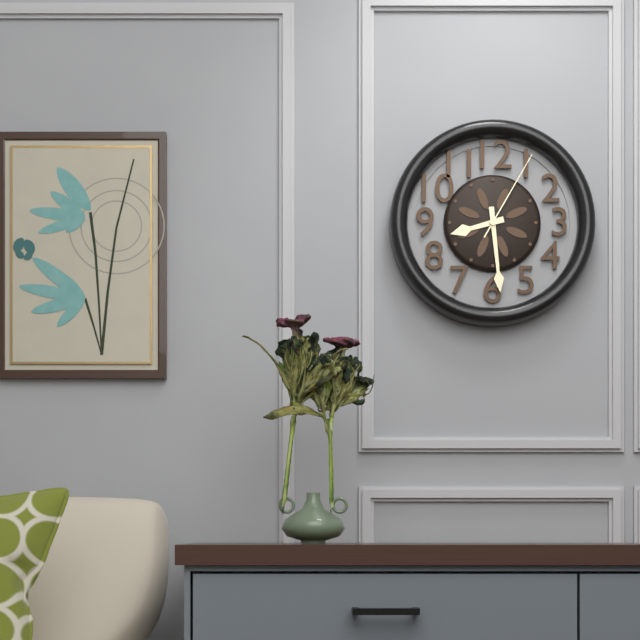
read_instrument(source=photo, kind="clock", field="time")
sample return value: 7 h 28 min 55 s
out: 8 h 29 min 05 s
